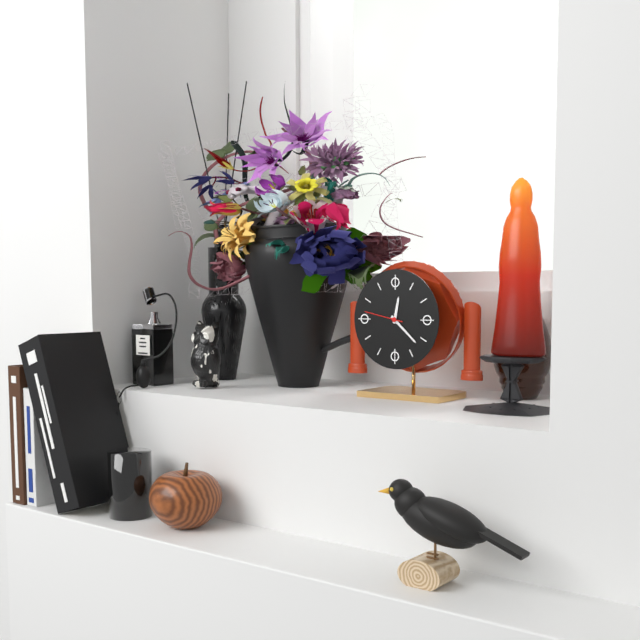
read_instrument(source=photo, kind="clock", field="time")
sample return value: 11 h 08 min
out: 12 h 22 min
